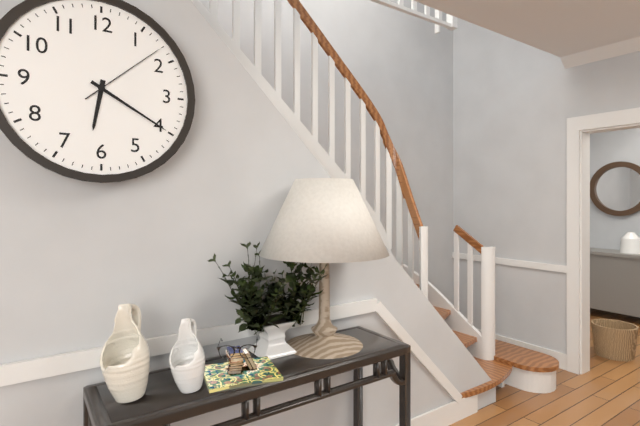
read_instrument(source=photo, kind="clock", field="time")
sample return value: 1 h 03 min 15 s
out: 6 h 20 min 08 s
